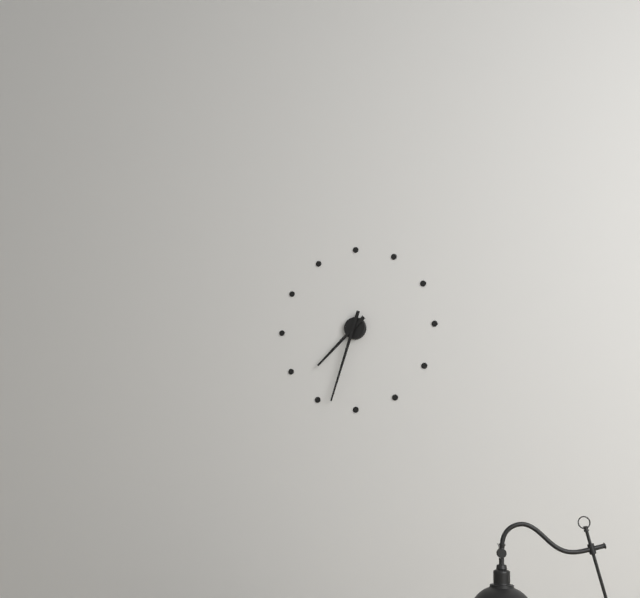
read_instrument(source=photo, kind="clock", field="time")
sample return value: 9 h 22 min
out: 7 h 33 min
